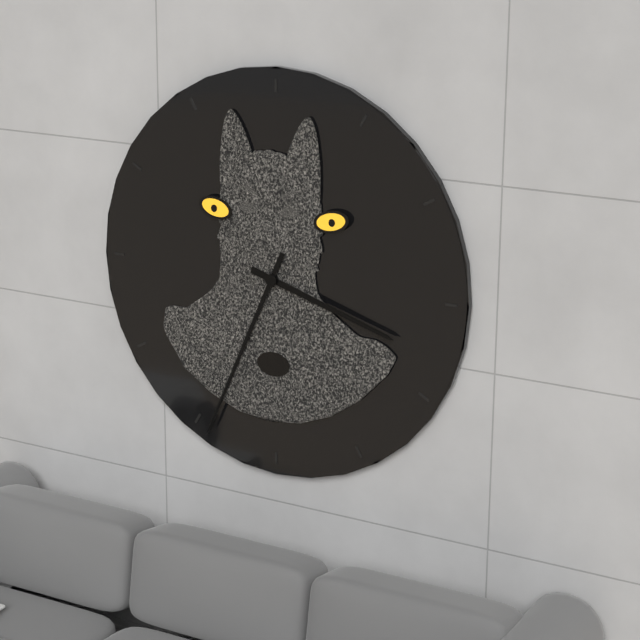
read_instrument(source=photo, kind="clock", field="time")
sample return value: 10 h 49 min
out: 3 h 34 min
